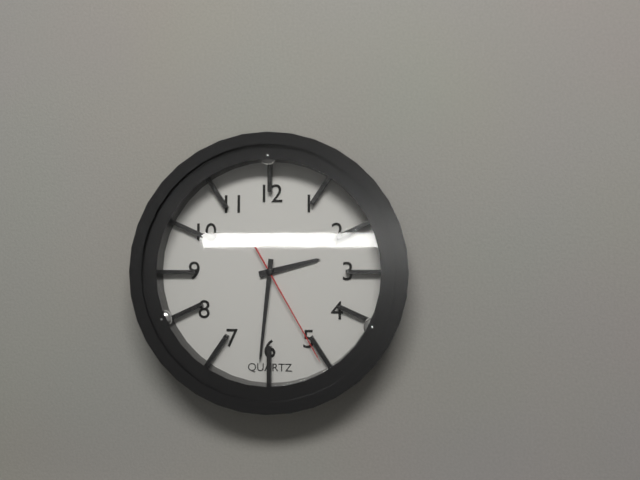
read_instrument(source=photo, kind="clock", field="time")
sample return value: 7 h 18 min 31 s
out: 2 h 31 min 25 s
